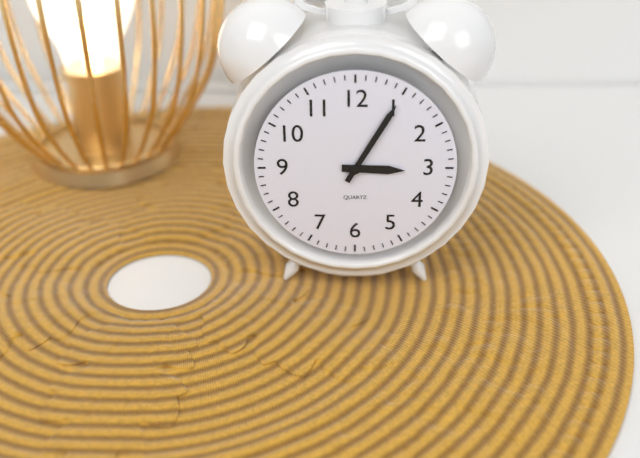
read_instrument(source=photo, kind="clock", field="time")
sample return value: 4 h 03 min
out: 3 h 05 min
